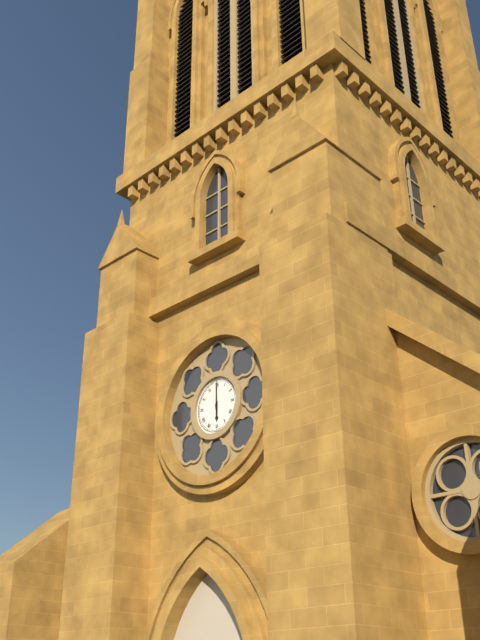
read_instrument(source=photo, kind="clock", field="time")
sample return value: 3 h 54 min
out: 6 h 00 min
